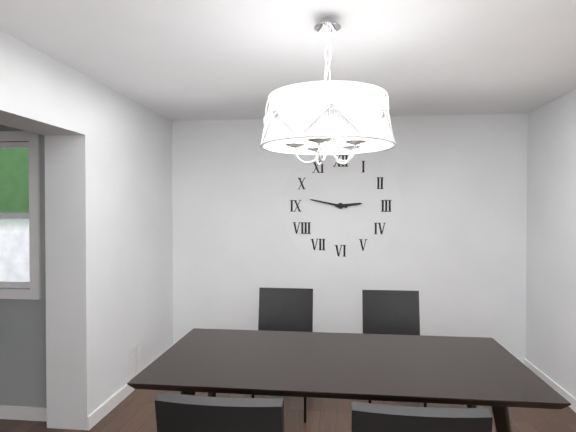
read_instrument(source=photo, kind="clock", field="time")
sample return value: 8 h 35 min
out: 2 h 47 min
